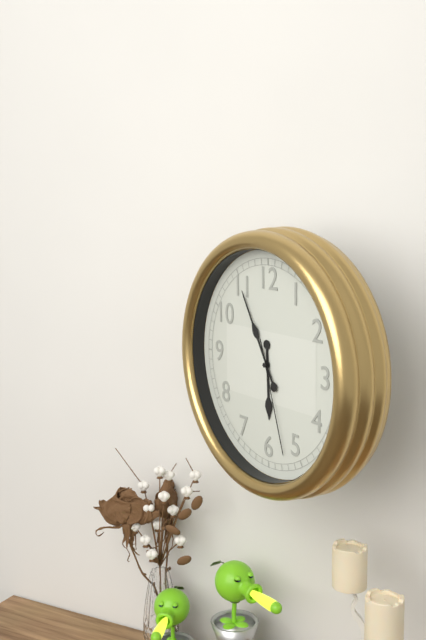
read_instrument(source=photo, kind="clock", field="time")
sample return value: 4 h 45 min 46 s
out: 5 h 55 min 27 s
